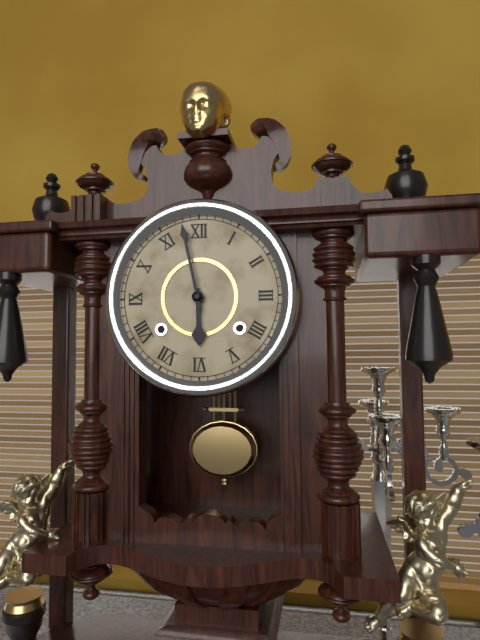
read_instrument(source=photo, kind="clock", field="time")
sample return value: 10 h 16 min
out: 5 h 58 min
